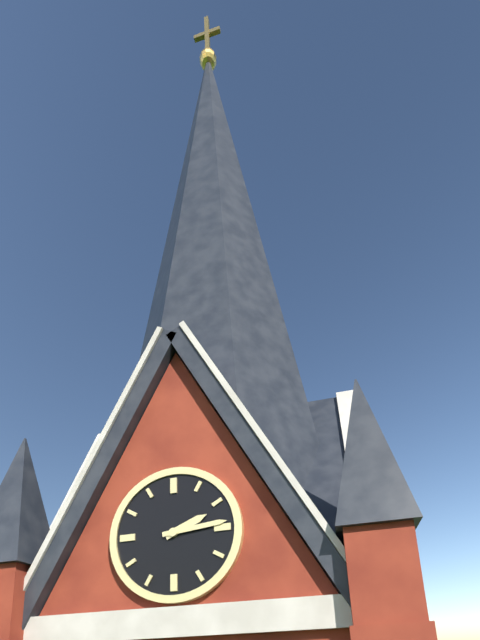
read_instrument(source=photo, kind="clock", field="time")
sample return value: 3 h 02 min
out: 2 h 14 min
